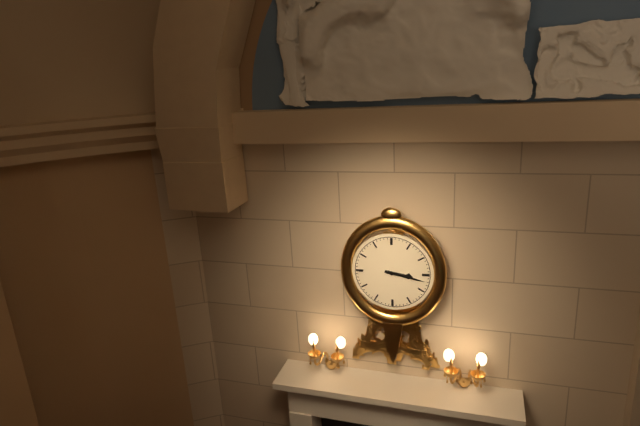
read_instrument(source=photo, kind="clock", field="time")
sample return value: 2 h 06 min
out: 3 h 17 min
